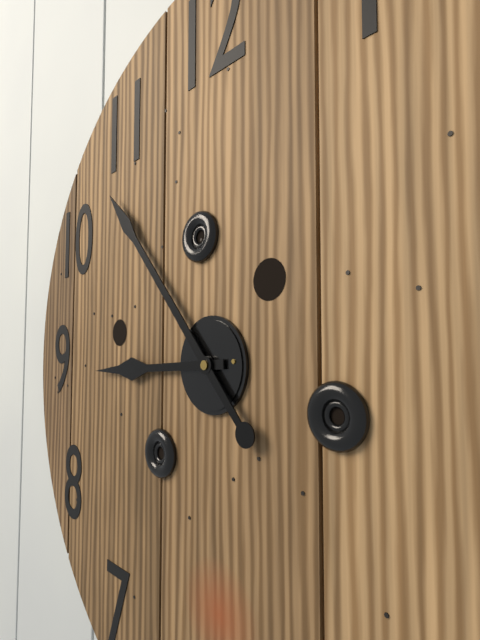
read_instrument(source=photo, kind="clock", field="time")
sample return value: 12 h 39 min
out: 8 h 53 min
